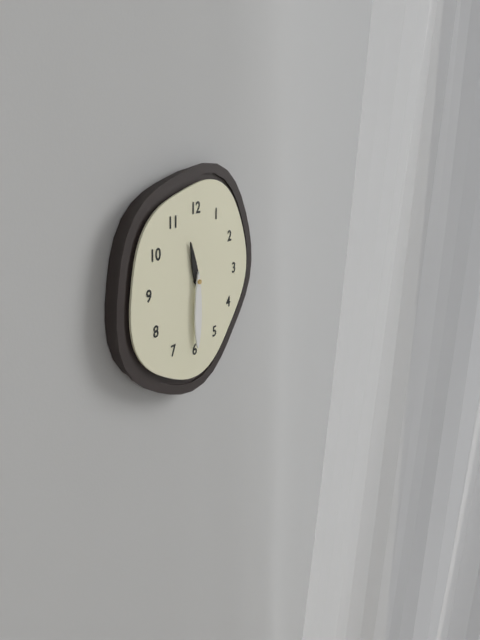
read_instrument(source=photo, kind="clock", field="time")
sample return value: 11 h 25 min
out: 11 h 30 min
